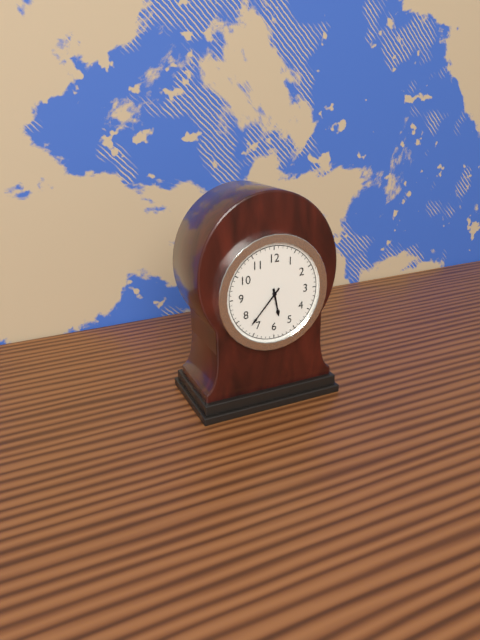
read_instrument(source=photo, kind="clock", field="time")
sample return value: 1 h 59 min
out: 5 h 37 min
